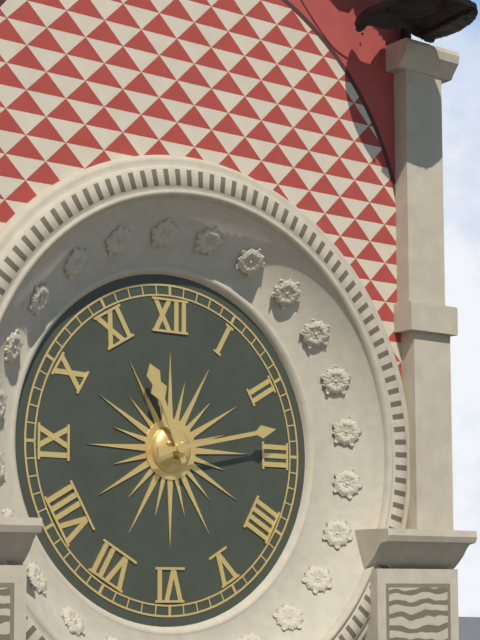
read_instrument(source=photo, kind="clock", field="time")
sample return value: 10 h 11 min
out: 11 h 13 min
